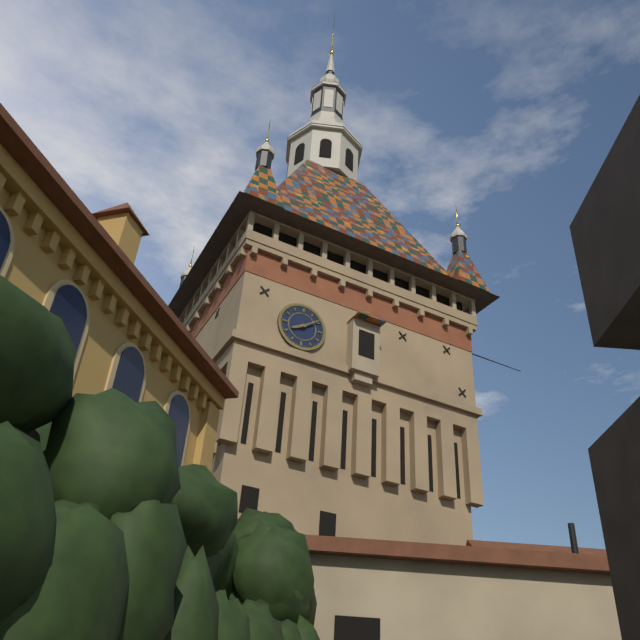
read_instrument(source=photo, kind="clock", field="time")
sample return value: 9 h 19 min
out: 8 h 09 min
